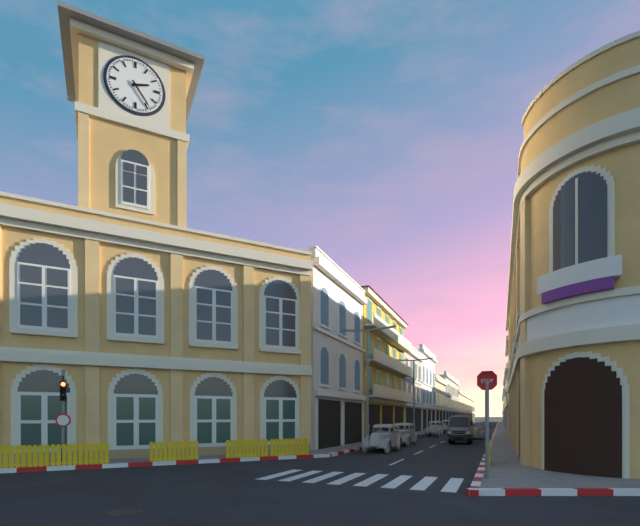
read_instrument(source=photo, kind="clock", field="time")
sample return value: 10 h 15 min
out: 2 h 24 min
